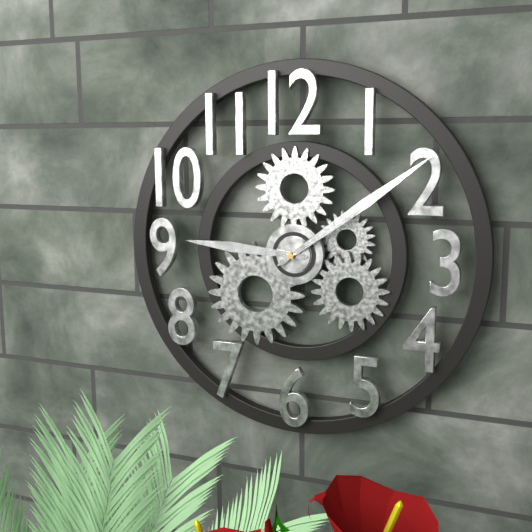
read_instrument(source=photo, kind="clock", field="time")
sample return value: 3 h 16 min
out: 9 h 09 min
